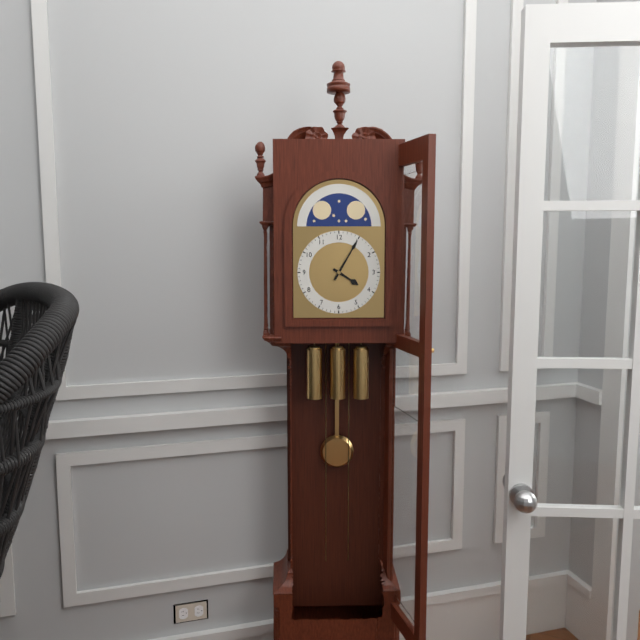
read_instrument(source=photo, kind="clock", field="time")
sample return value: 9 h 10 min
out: 4 h 05 min
